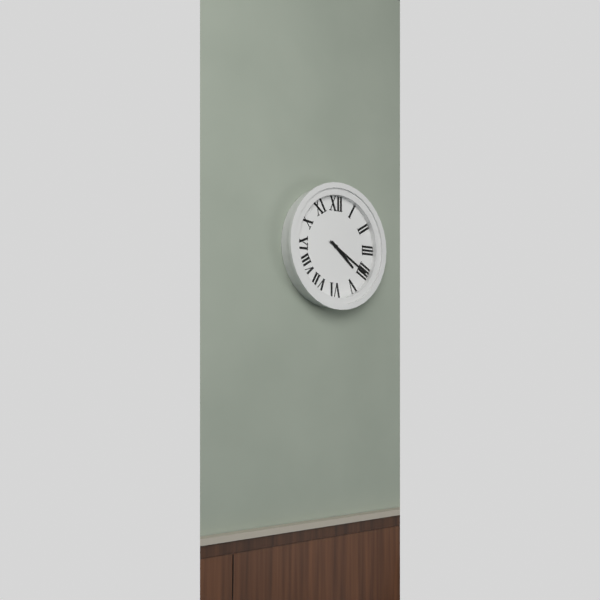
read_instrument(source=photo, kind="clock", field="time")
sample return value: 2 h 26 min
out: 4 h 20 min
